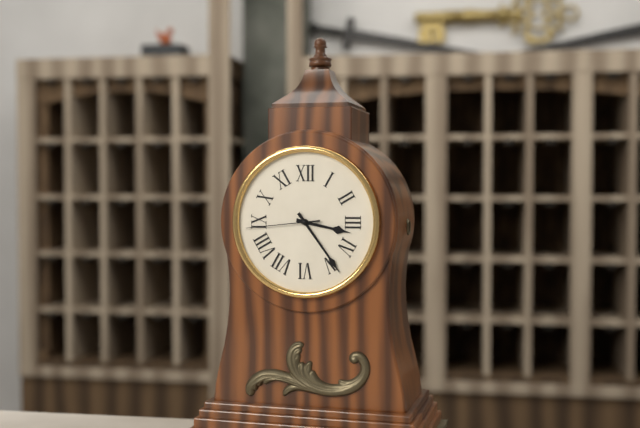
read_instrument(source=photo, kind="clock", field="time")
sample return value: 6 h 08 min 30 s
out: 3 h 24 min 44 s
